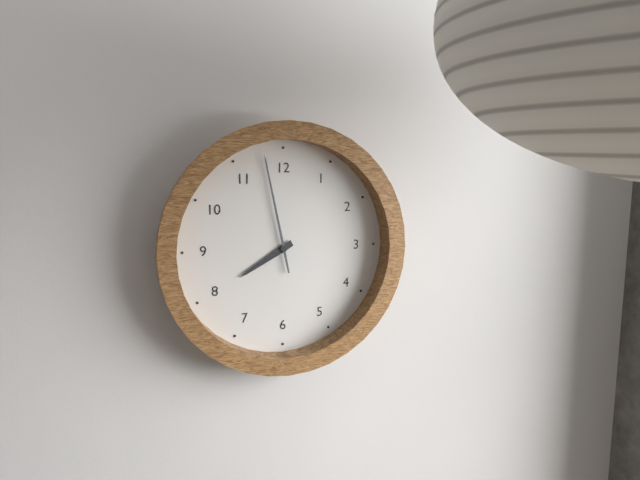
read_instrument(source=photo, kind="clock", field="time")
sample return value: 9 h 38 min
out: 7 h 58 min
